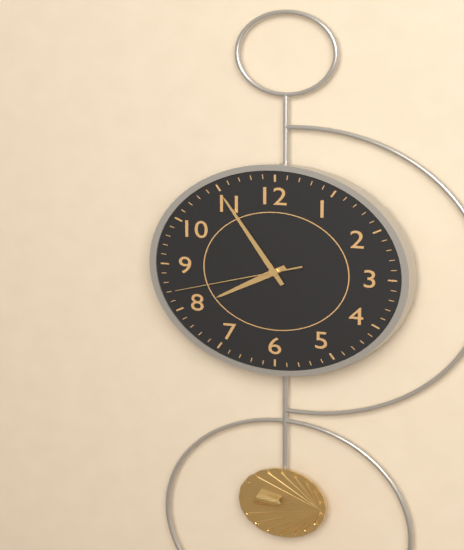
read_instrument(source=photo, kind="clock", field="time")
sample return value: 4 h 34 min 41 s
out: 7 h 55 min 42 s
